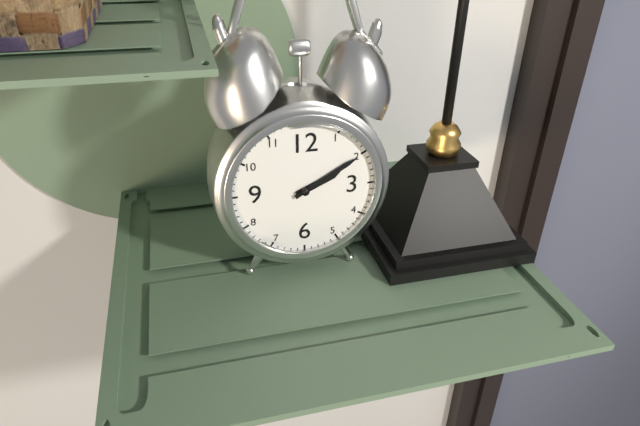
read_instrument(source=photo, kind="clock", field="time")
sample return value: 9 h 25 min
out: 2 h 10 min
